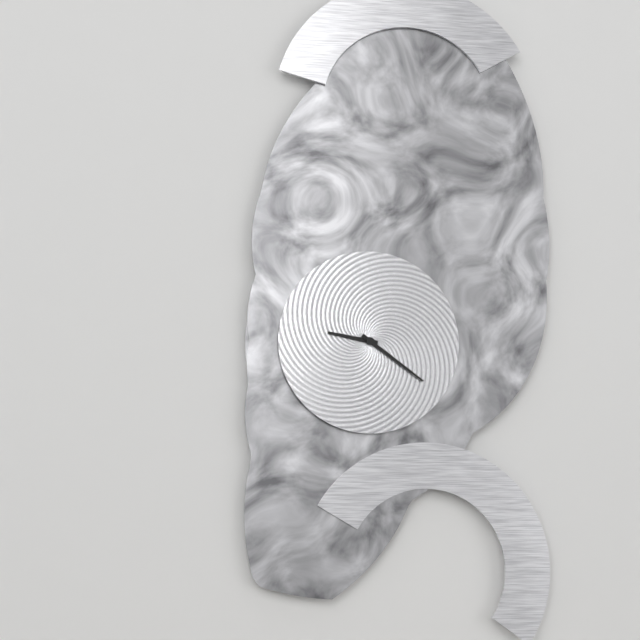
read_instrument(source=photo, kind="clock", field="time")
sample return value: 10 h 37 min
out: 9 h 21 min
